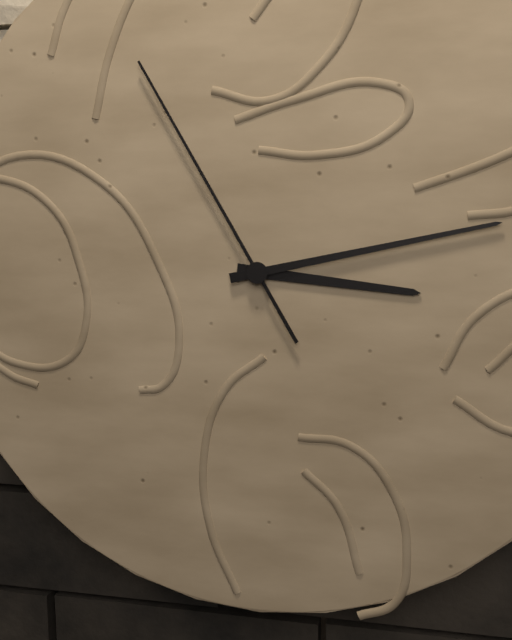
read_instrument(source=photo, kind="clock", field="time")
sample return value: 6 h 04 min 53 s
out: 3 h 13 min 55 s
